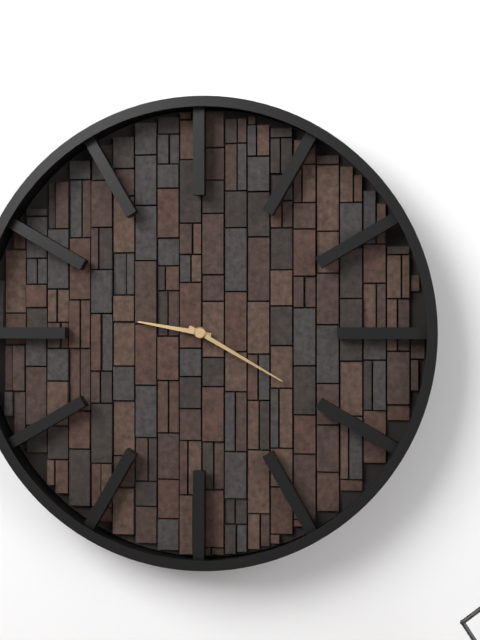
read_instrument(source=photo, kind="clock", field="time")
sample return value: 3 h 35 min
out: 9 h 20 min
